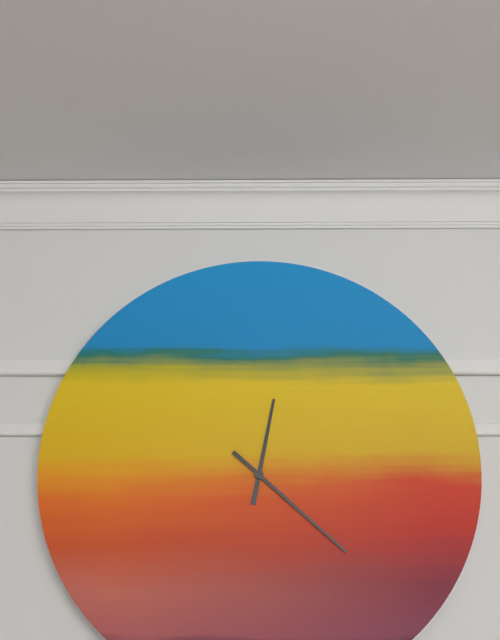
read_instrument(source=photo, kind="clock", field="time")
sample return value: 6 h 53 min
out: 12 h 22 min
